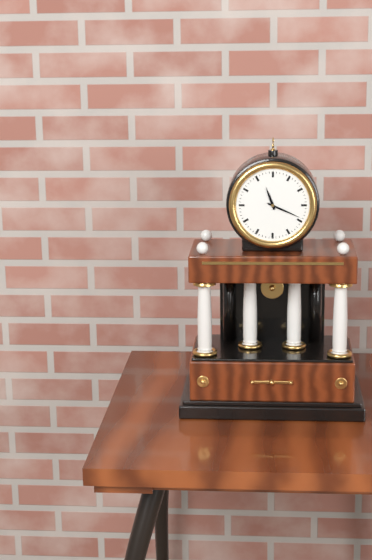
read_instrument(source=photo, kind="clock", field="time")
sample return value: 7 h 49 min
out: 11 h 19 min
